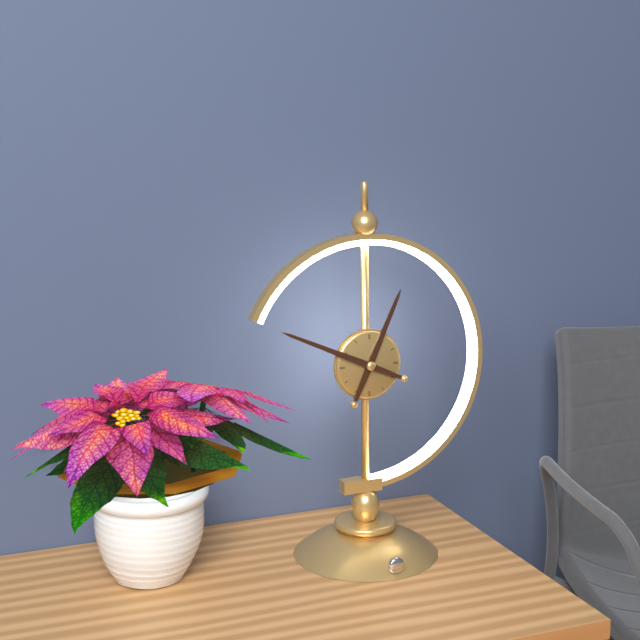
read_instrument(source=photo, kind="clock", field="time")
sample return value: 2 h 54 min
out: 12 h 49 min
